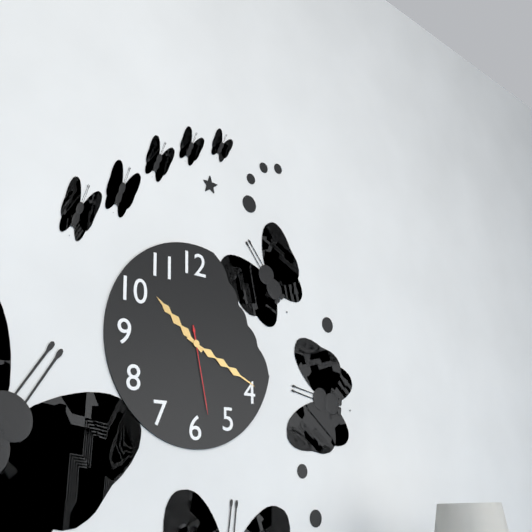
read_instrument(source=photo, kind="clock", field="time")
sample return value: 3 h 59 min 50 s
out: 10 h 19 min 28 s
